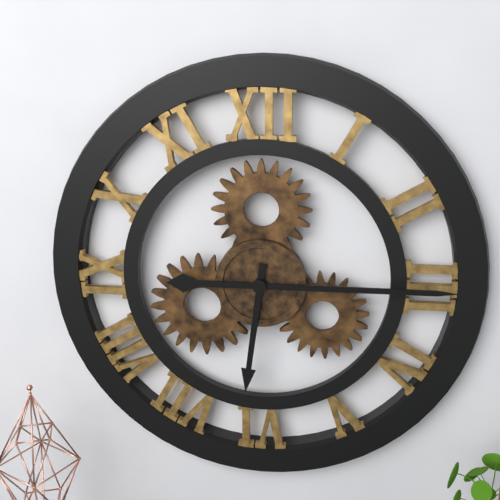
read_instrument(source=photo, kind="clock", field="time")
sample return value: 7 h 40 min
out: 6 h 15 min
